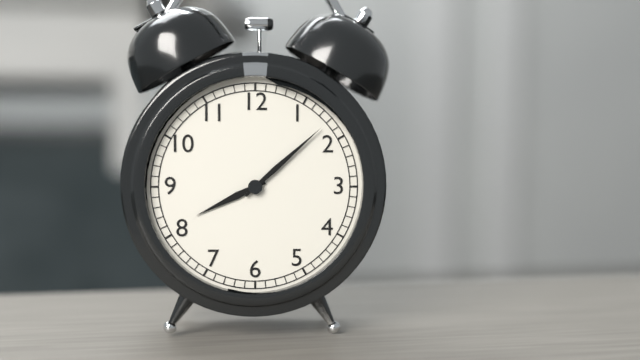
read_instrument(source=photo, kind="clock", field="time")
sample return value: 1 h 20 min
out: 8 h 08 min
